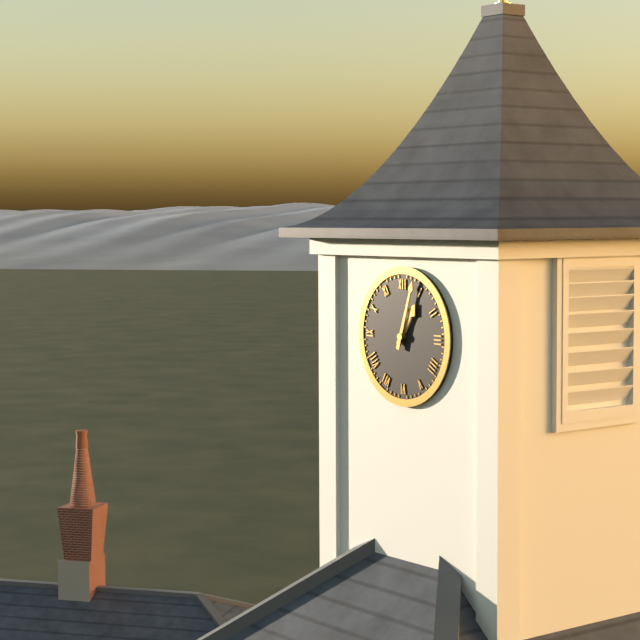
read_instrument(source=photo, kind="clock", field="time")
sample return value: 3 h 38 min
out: 1 h 03 min
